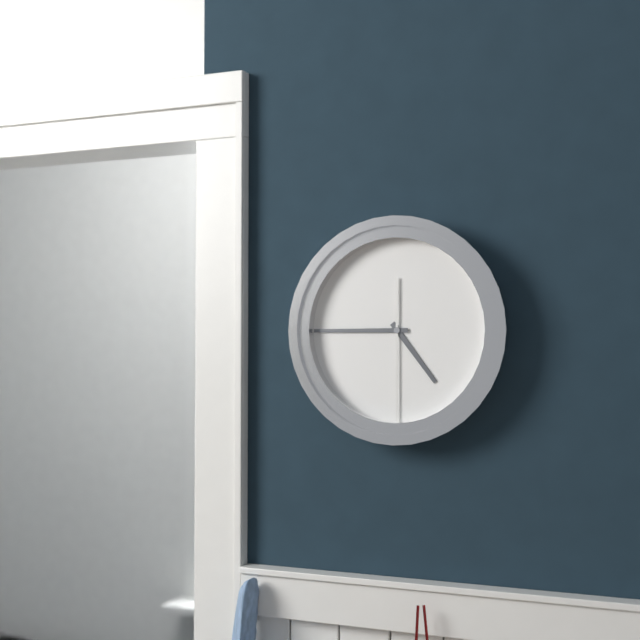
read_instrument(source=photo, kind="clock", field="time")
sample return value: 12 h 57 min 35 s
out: 4 h 45 min 30 s
